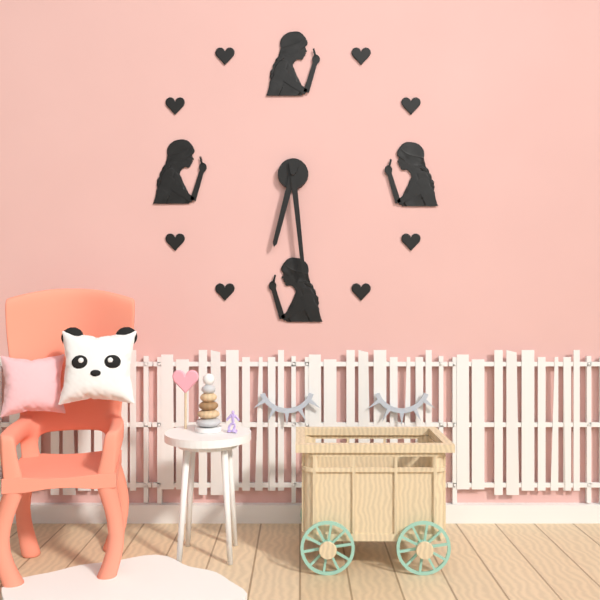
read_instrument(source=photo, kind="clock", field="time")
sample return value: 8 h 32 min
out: 6 h 29 min
